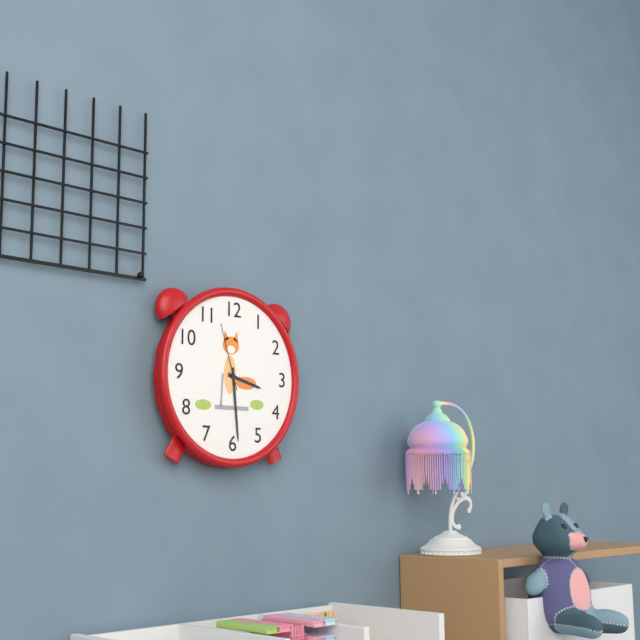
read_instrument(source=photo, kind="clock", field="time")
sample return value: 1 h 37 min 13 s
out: 3 h 29 min 57 s
